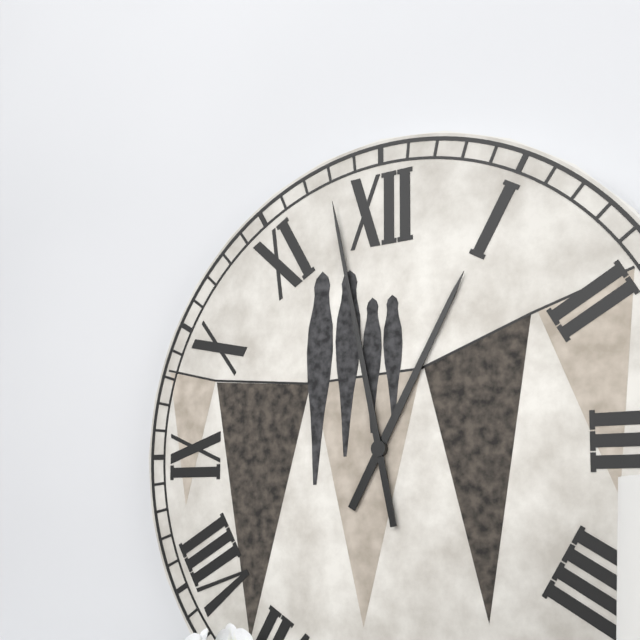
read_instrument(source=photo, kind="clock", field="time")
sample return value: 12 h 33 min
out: 12 h 58 min
